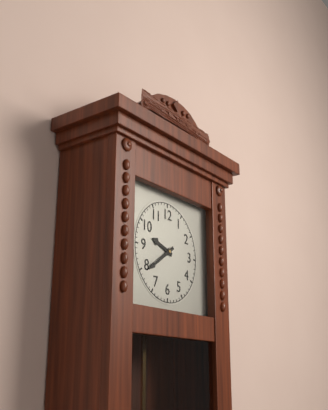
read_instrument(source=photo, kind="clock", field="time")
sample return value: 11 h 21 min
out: 9 h 39 min
